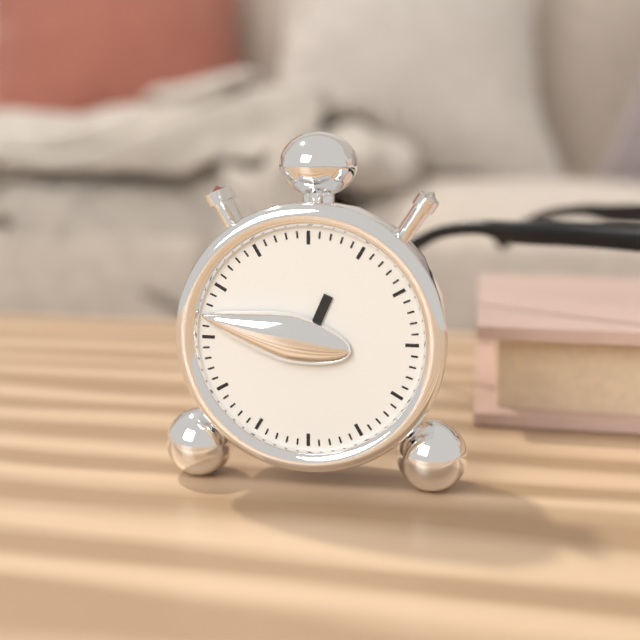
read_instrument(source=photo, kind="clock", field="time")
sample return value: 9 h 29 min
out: 12 h 47 min
